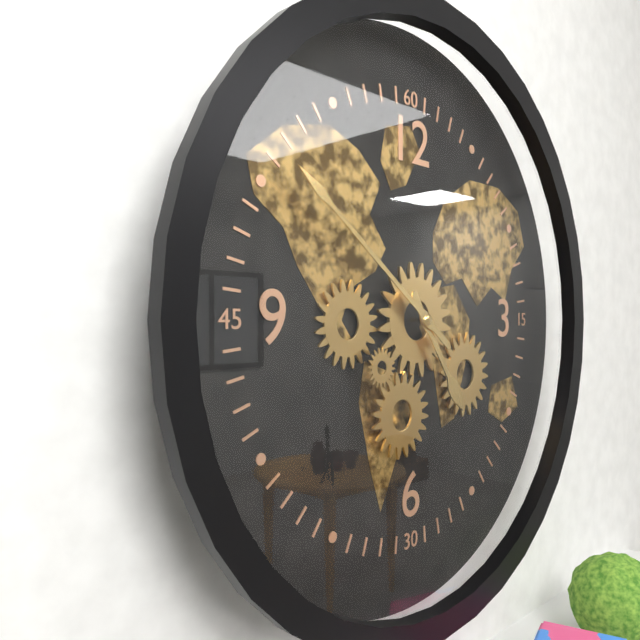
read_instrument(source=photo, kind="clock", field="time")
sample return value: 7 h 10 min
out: 4 h 51 min
